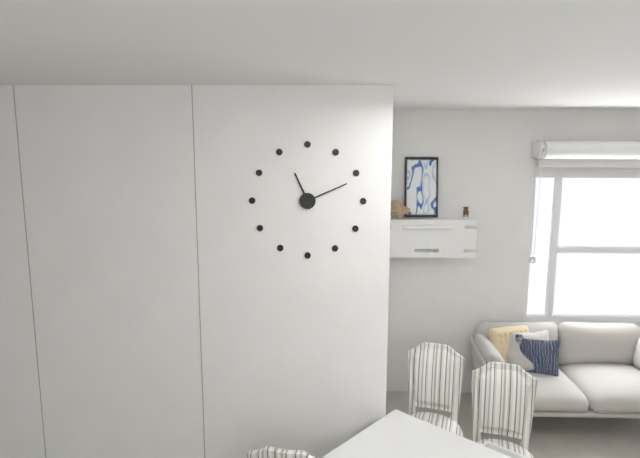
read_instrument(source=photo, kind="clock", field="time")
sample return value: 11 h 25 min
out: 11 h 11 min
